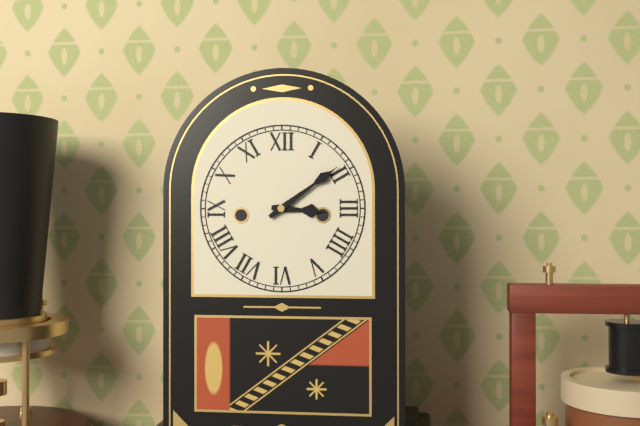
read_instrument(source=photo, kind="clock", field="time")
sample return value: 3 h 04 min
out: 3 h 09 min
